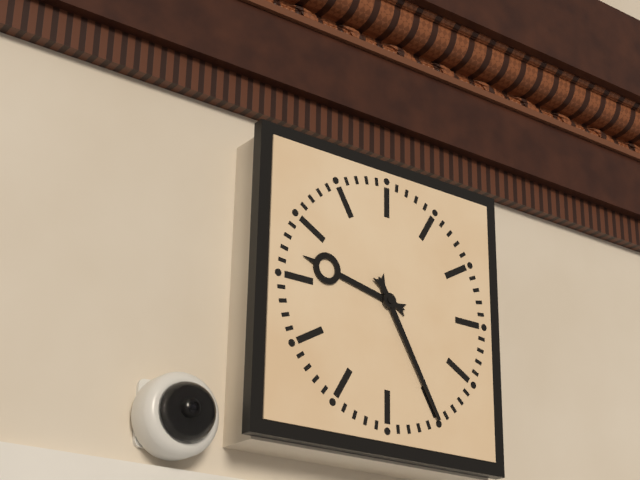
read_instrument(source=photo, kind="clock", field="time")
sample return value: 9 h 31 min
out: 9 h 25 min
